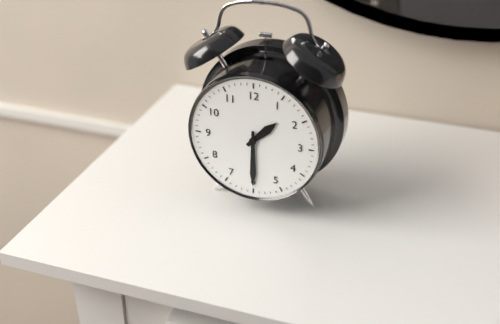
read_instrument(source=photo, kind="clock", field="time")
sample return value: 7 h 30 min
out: 1 h 30 min
